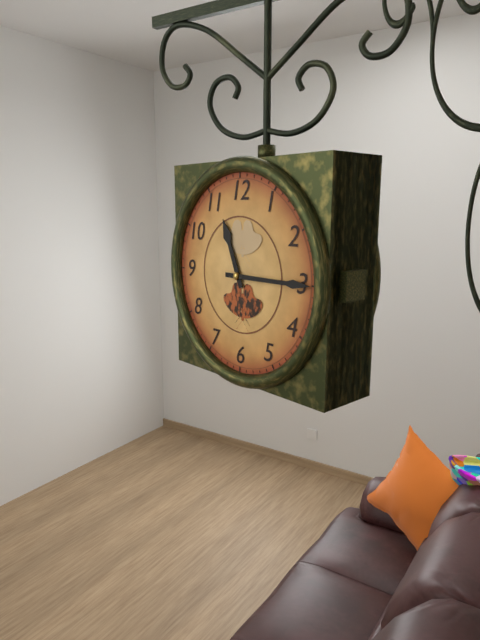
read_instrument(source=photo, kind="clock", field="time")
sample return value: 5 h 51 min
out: 11 h 15 min
